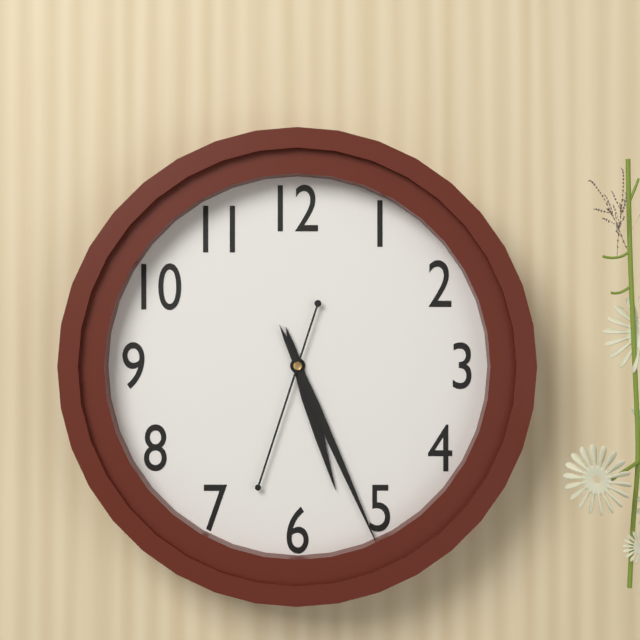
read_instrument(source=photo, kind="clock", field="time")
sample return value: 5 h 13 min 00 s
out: 5 h 26 min 33 s
